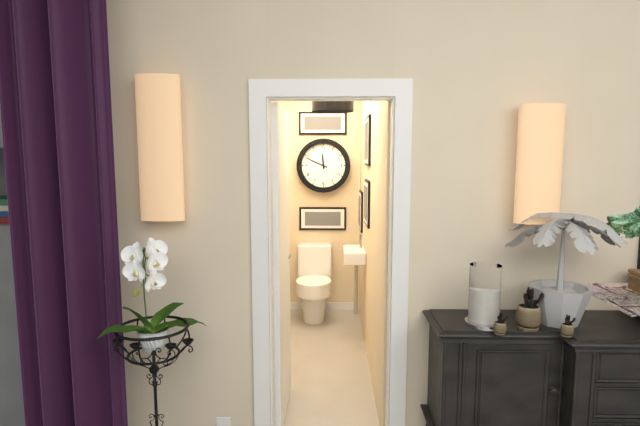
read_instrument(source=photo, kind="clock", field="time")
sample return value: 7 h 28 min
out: 11 h 49 min
